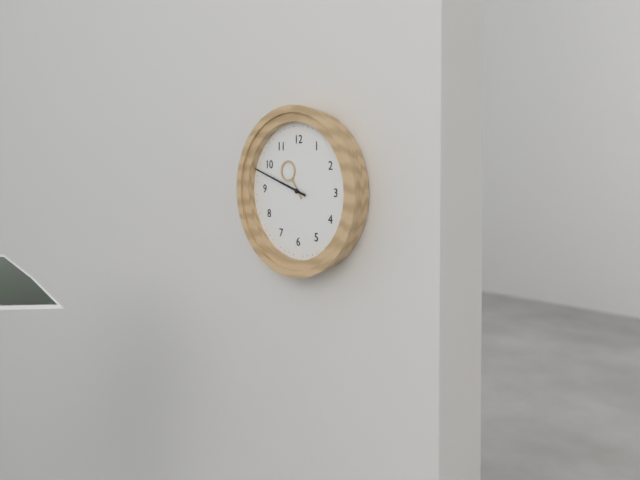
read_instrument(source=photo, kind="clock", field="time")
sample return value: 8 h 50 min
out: 10 h 48 min
